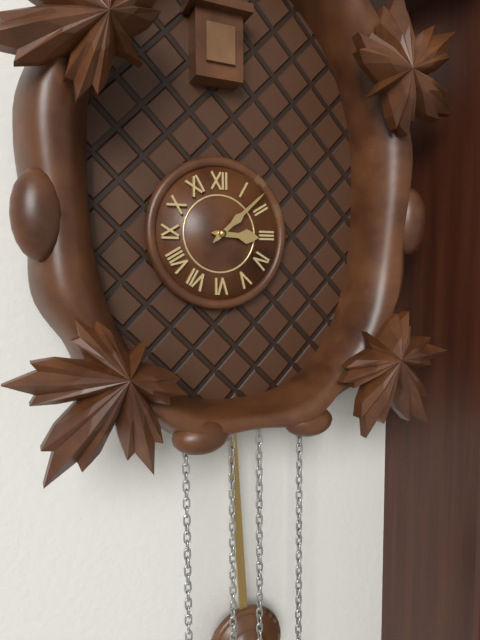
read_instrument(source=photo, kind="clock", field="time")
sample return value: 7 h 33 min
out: 3 h 08 min
